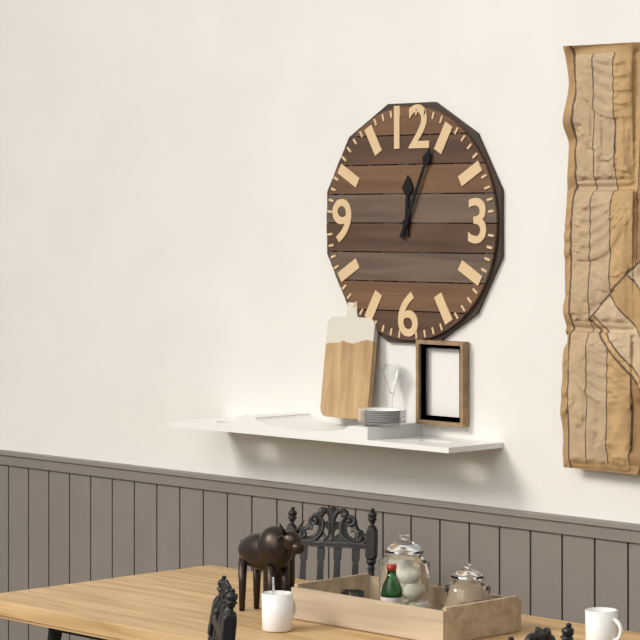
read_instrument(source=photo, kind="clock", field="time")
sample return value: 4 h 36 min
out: 12 h 04 min
